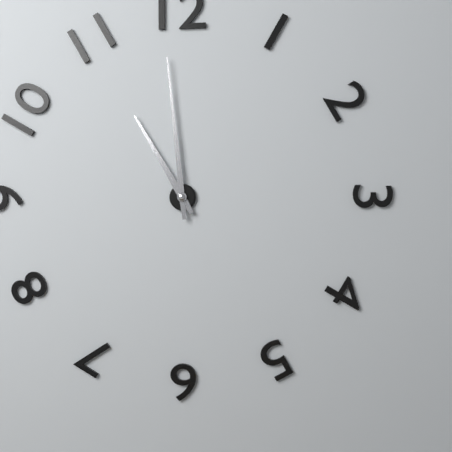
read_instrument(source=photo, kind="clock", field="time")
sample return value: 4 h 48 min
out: 10 h 59 min
